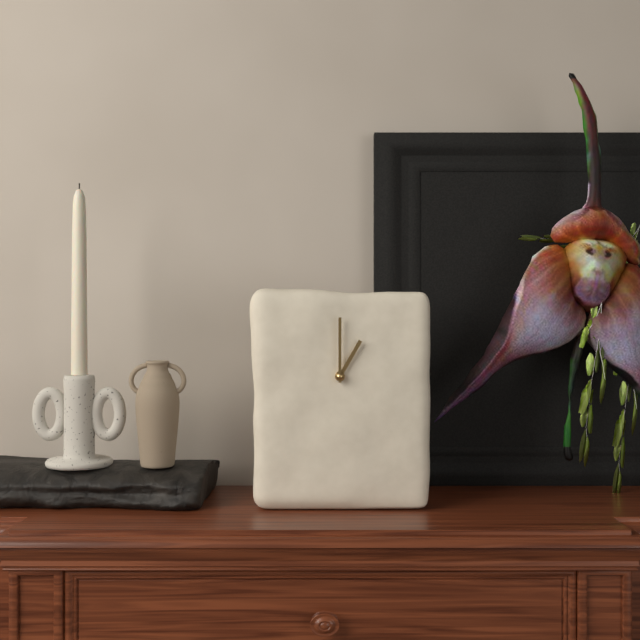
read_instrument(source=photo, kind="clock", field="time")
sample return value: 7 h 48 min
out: 1 h 00 min
